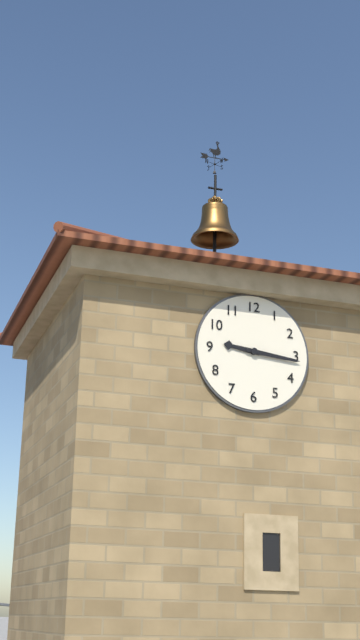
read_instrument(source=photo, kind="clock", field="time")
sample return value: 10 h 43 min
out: 9 h 16 min
